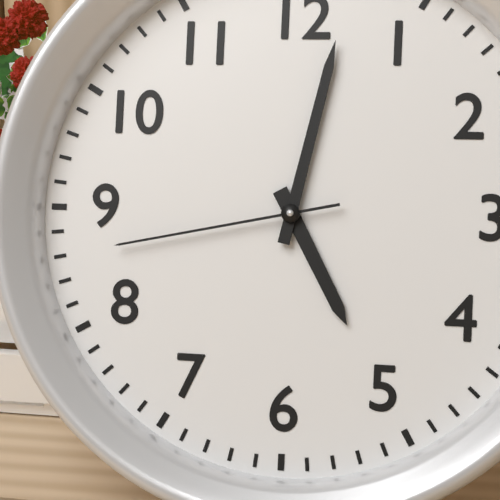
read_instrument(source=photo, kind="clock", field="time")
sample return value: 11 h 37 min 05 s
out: 5 h 02 min 43 s
